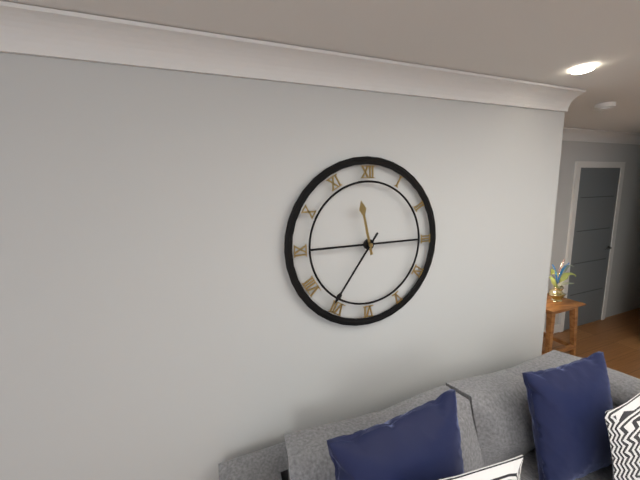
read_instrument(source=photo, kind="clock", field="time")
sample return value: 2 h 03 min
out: 11 h 36 min
